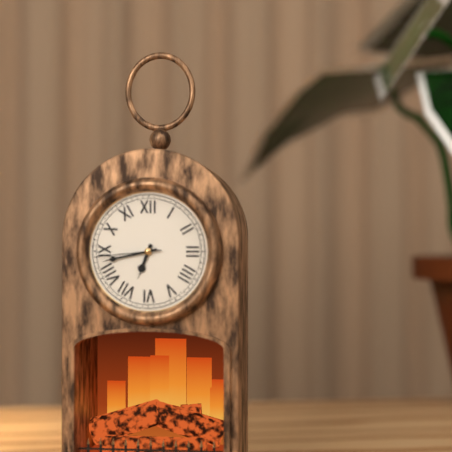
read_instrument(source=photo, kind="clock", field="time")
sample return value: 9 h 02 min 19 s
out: 6 h 43 min 44 s
